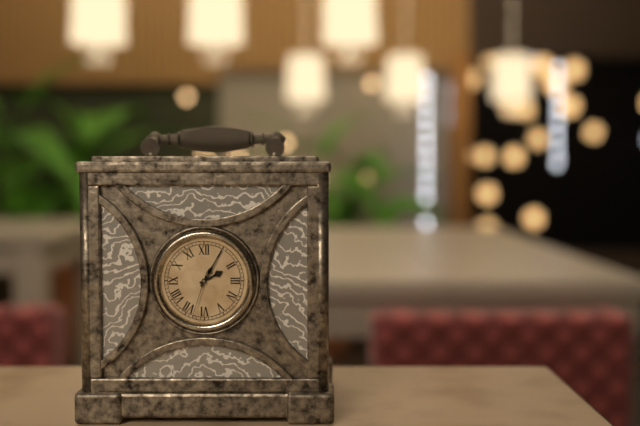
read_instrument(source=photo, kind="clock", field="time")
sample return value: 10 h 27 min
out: 2 h 05 min
